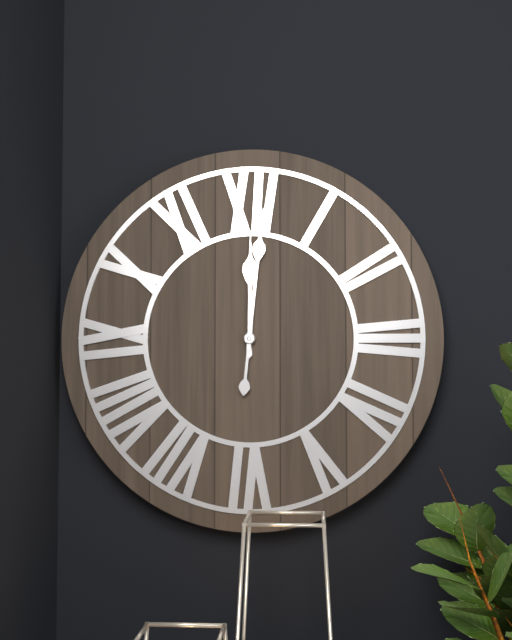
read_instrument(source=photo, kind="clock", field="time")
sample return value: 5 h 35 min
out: 12 h 01 min
